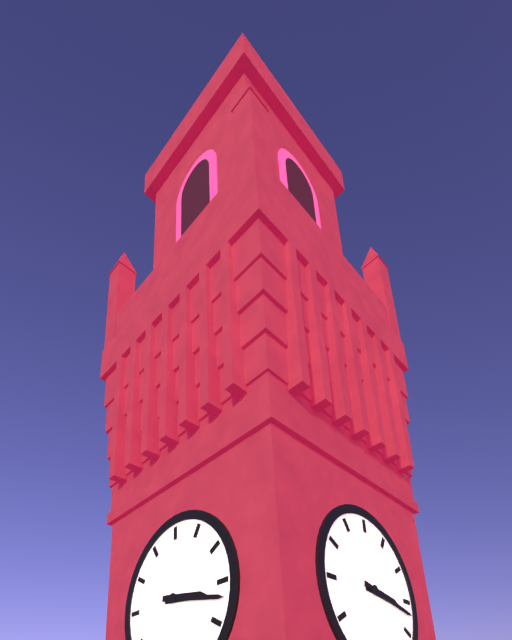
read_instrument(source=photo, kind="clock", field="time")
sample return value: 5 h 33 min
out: 3 h 17 min
